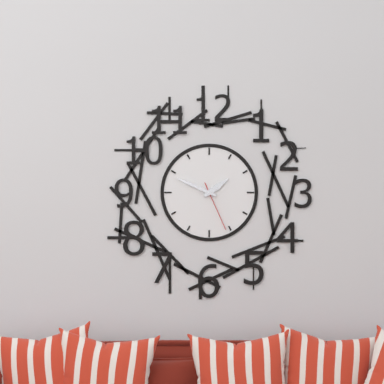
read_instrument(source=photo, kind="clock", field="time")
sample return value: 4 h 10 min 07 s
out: 1 h 49 min 26 s
